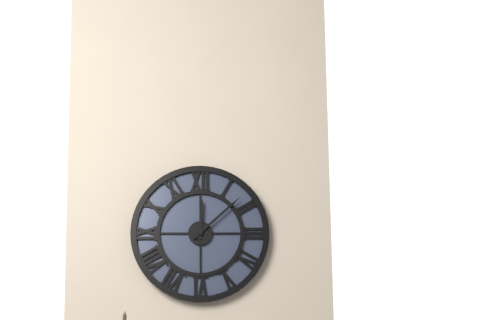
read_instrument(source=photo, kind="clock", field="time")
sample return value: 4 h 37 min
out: 12 h 08 min
